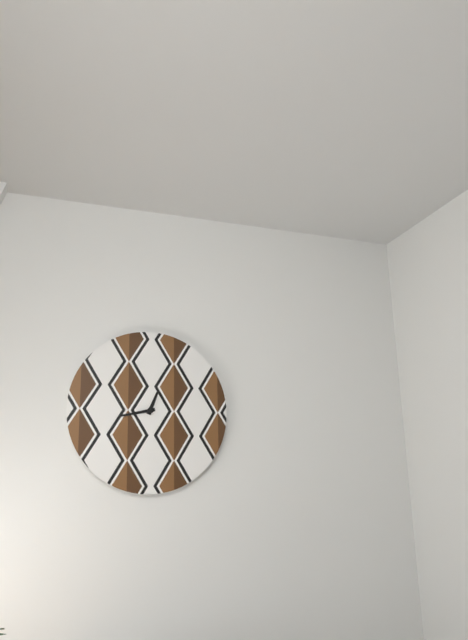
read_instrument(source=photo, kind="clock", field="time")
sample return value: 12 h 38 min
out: 12 h 43 min
